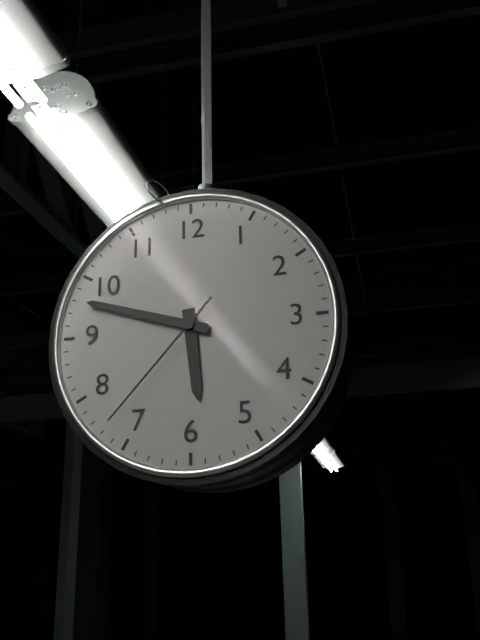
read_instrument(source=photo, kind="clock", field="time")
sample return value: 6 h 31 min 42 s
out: 5 h 48 min 37 s
